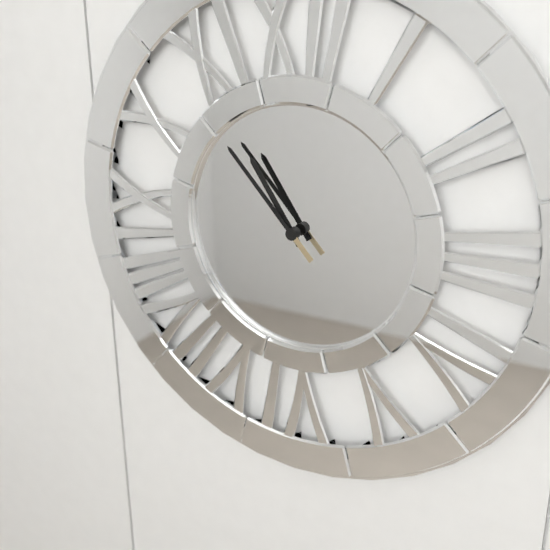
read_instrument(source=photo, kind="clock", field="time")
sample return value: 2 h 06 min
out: 10 h 53 min
